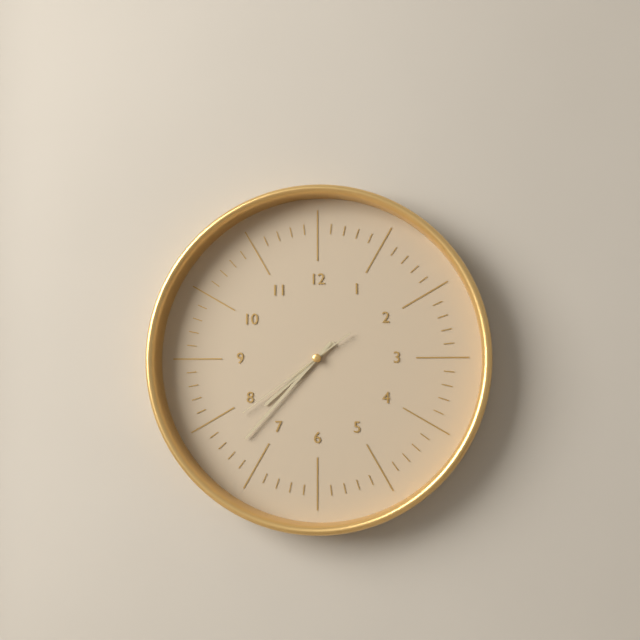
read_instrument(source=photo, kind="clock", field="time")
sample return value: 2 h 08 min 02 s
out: 7 h 37 min 39 s
